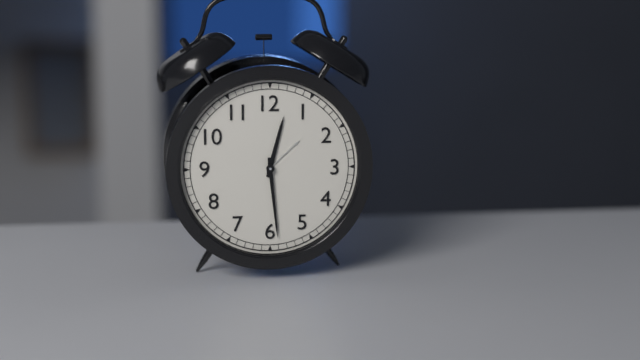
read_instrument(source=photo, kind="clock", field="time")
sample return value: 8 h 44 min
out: 12 h 29 min
